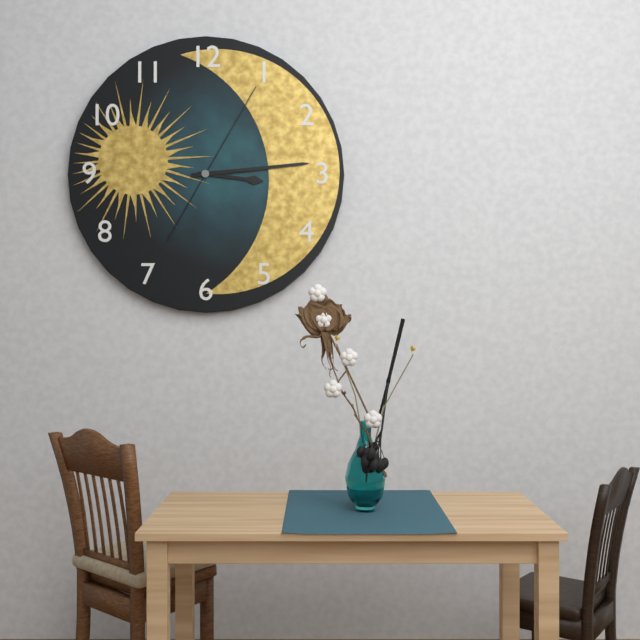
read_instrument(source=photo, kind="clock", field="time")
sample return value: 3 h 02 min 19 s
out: 3 h 14 min 05 s
